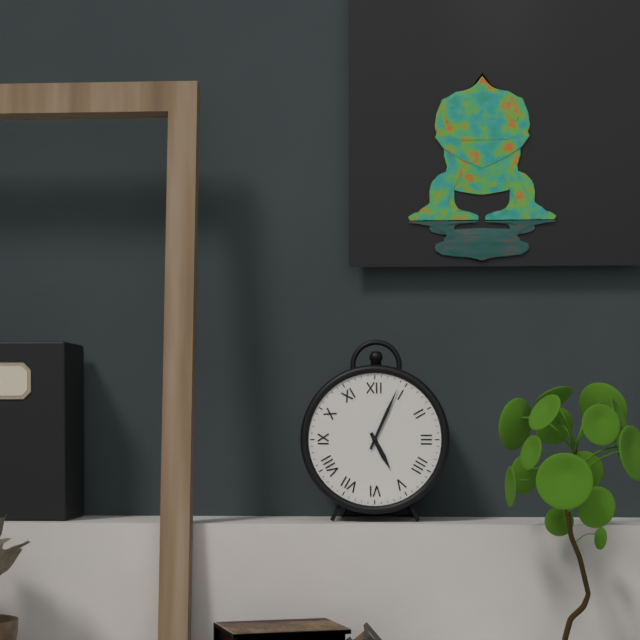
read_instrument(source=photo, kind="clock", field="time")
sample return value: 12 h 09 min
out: 5 h 04 min
